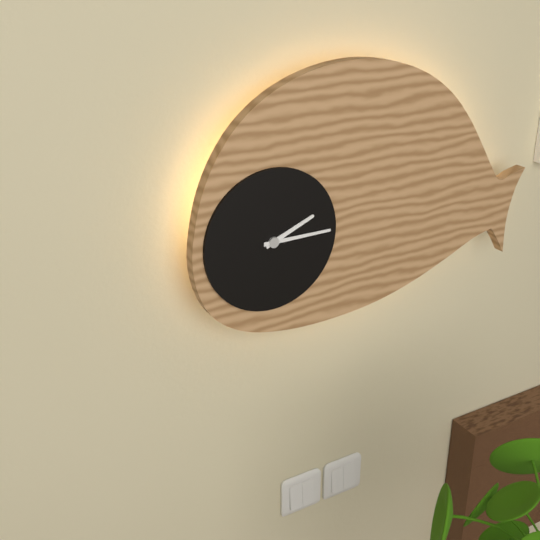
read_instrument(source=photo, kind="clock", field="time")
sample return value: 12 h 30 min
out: 2 h 15 min
